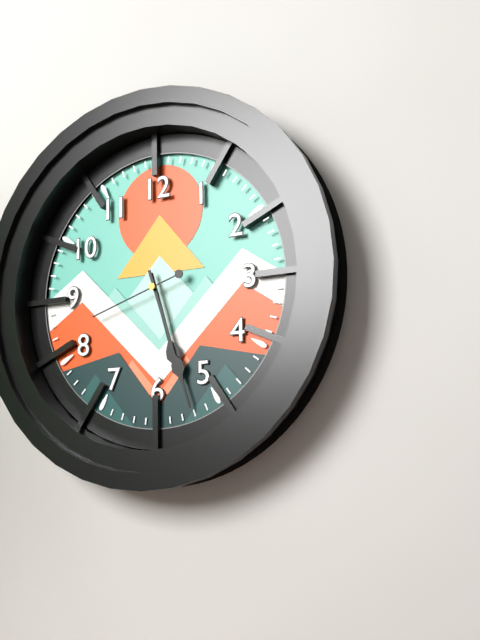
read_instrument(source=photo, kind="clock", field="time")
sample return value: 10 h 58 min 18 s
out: 5 h 27 min 42 s
